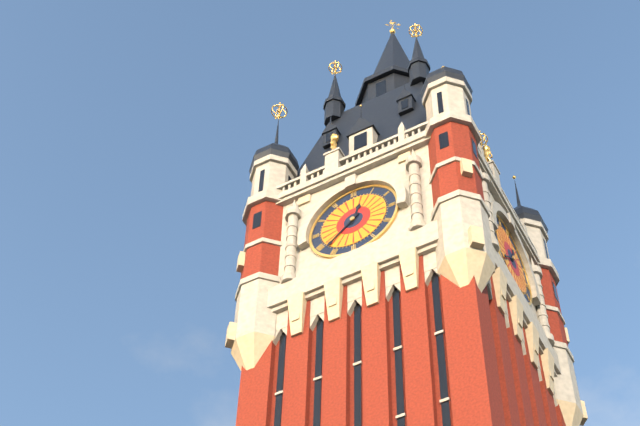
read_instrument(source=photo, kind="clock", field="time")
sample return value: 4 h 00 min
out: 12 h 38 min
